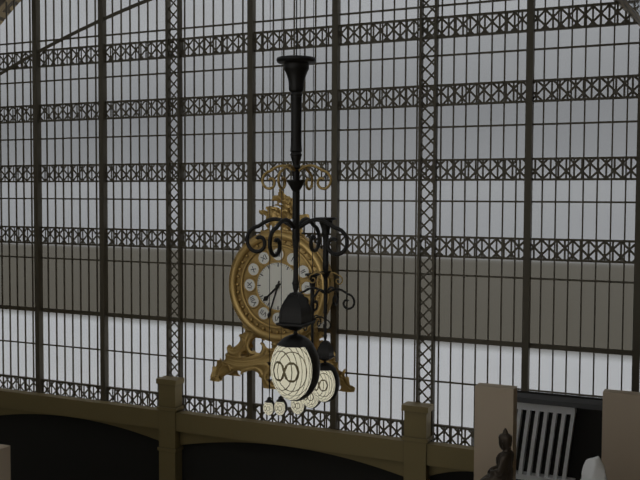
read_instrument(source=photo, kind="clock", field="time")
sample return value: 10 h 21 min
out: 7 h 33 min
